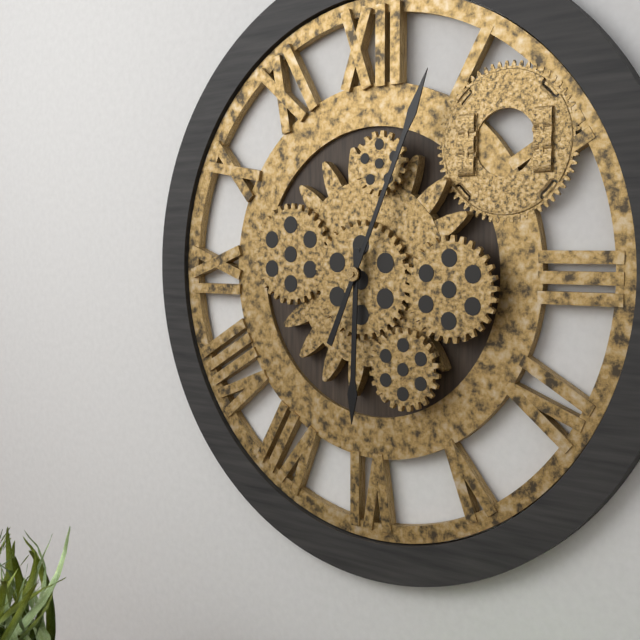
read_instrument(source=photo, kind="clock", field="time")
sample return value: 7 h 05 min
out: 6 h 04 min
